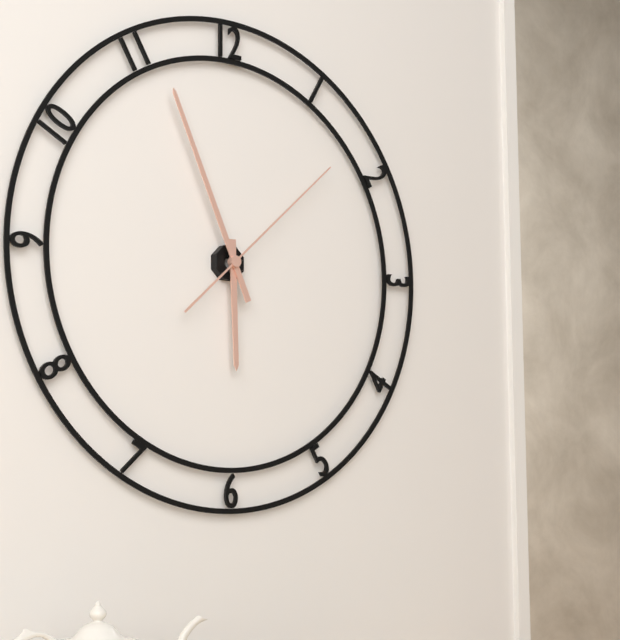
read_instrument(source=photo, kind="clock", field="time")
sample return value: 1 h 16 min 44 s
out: 5 h 56 min 08 s
